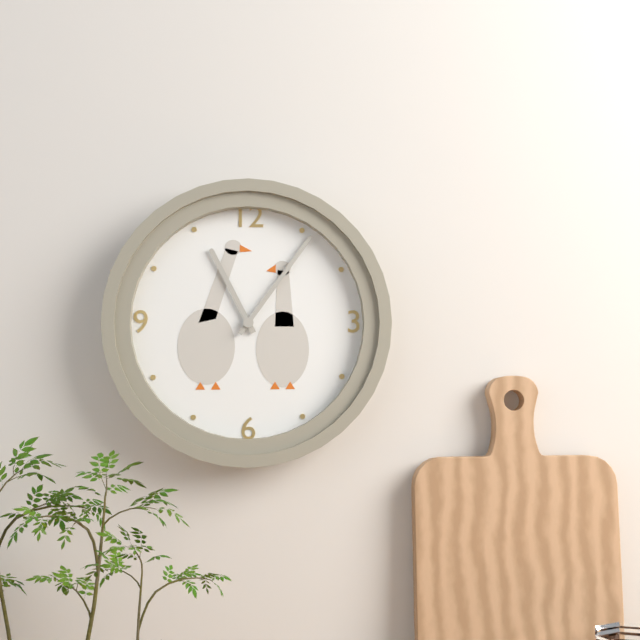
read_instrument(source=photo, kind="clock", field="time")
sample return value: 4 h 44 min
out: 11 h 06 min
